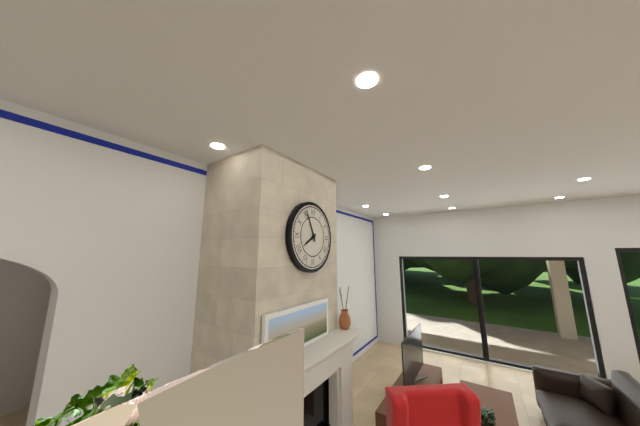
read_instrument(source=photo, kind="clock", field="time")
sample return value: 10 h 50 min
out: 7 h 56 min
